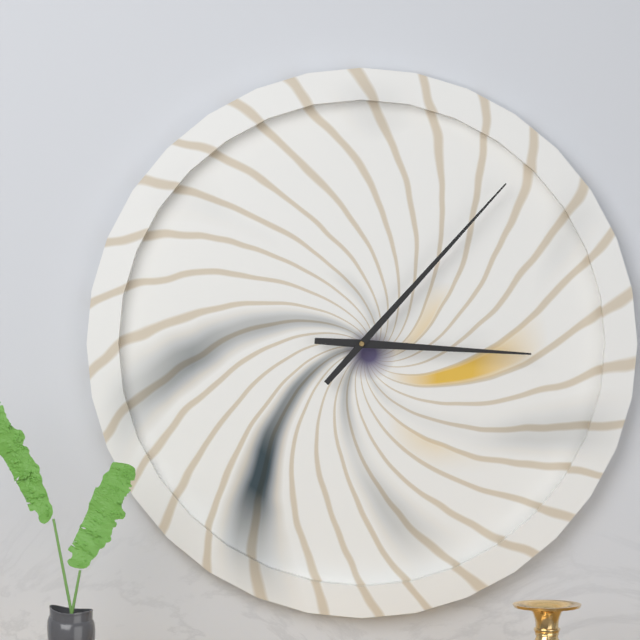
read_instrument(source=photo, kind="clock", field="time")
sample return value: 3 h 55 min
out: 3 h 07 min
